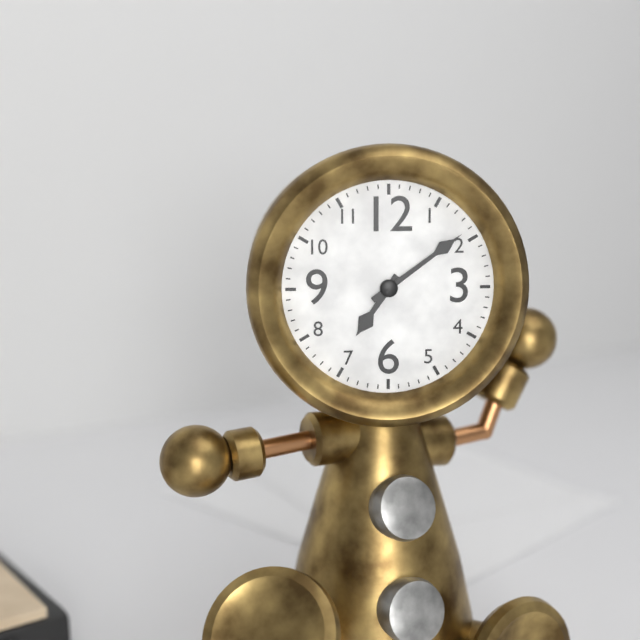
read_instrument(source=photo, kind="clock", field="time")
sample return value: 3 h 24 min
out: 7 h 09 min
